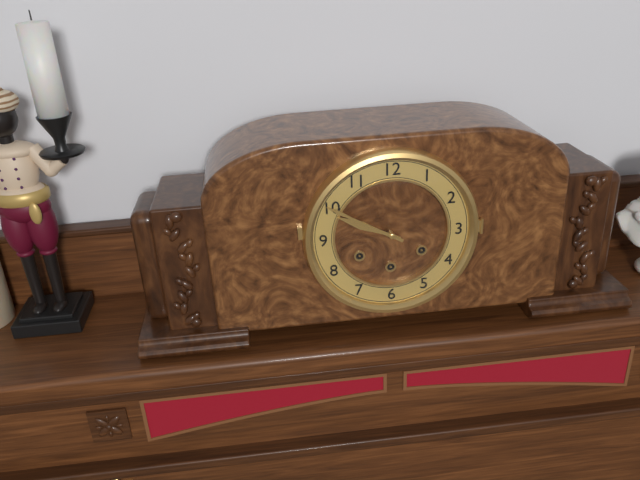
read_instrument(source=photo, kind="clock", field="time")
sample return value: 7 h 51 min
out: 9 h 50 min
